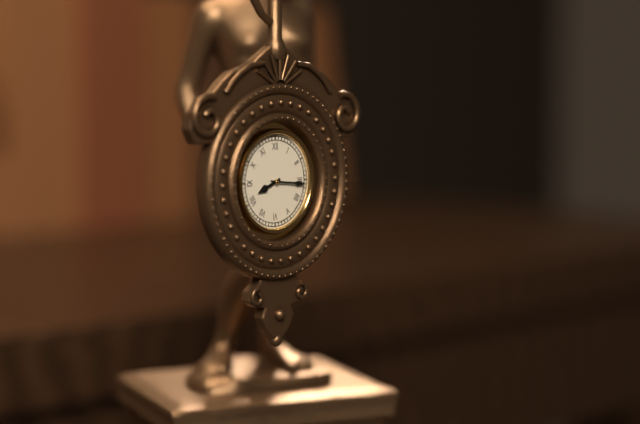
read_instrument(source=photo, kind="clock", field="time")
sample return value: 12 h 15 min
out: 8 h 16 min
